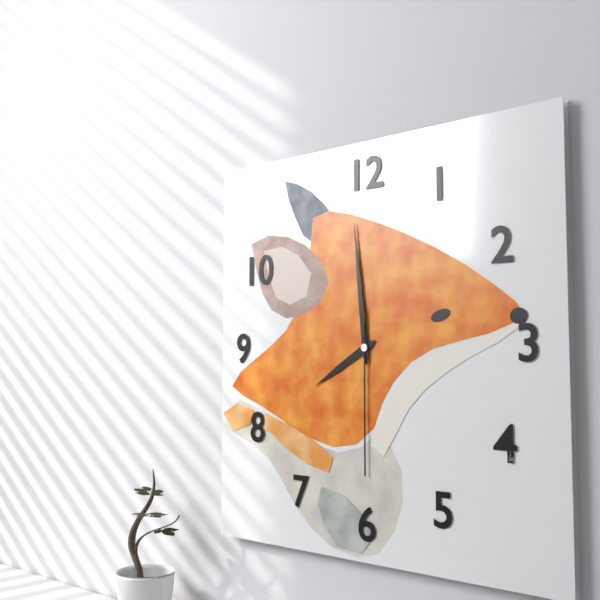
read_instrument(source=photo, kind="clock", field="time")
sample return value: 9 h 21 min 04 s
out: 7 h 59 min 30 s
